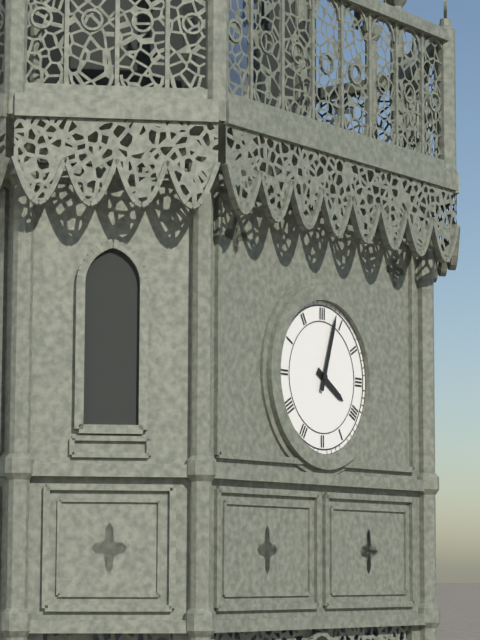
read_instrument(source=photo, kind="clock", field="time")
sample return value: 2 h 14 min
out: 4 h 03 min
